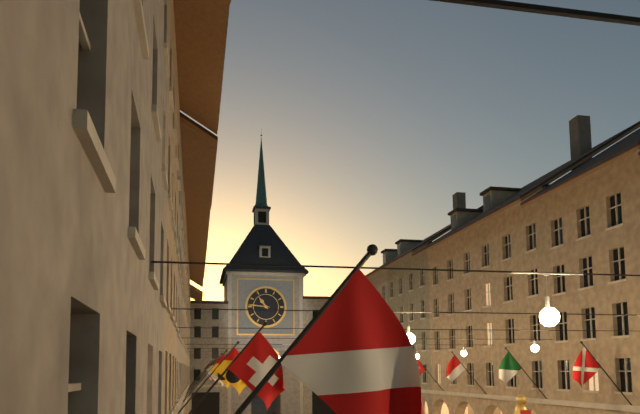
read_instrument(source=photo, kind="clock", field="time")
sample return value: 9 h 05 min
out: 10 h 46 min
